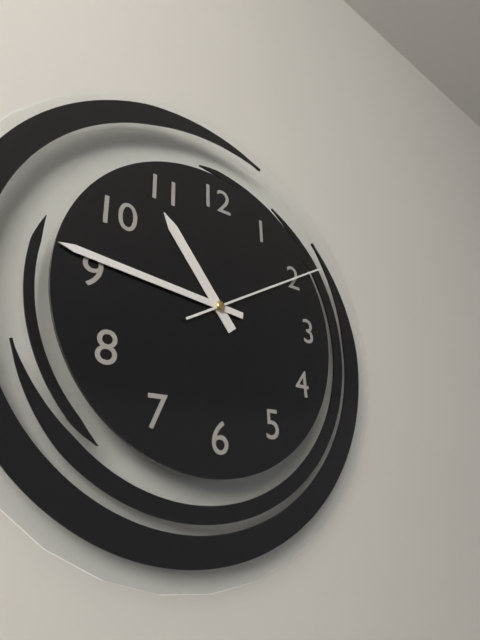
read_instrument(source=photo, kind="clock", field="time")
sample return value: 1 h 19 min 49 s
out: 10 h 46 min 10 s
